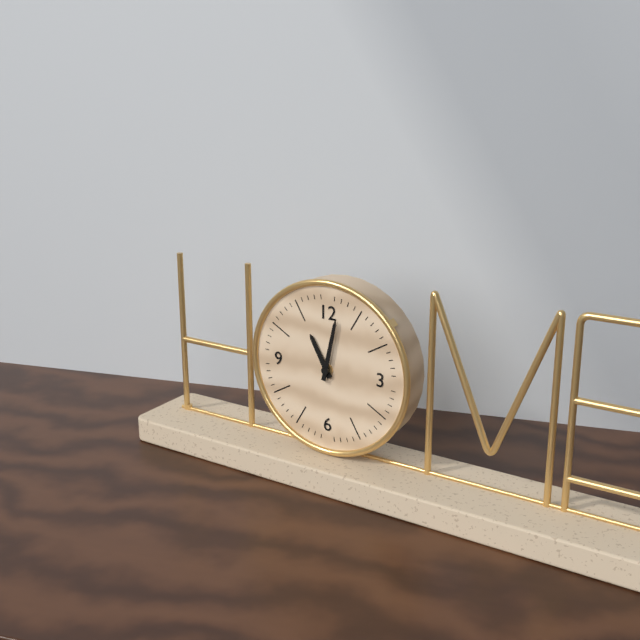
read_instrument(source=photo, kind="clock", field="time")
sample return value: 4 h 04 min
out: 11 h 02 min
